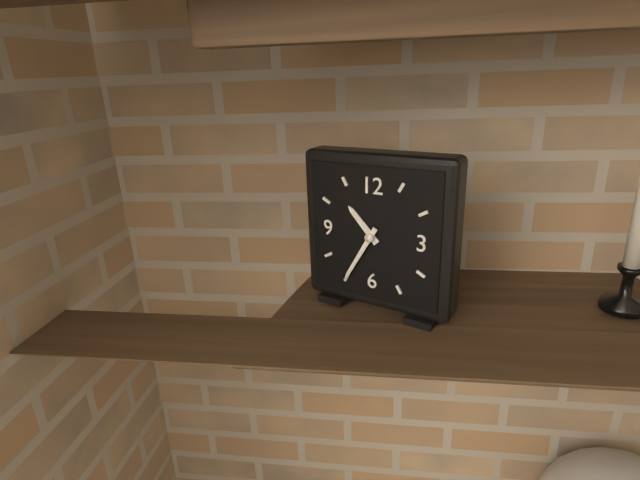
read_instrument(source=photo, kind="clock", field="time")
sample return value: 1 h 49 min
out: 10 h 35 min
